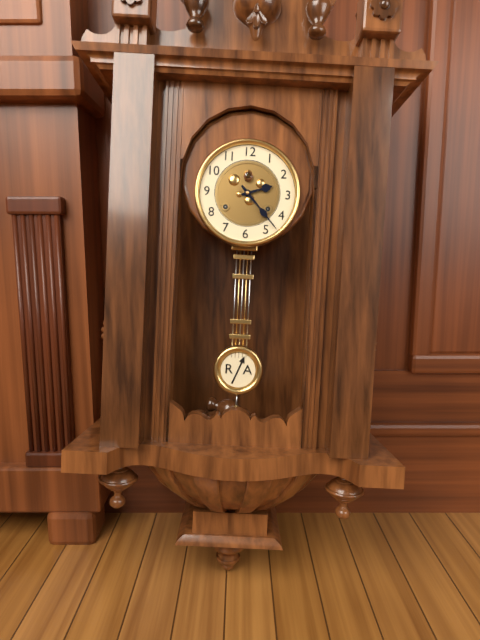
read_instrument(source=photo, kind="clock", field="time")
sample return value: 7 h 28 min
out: 2 h 23 min
